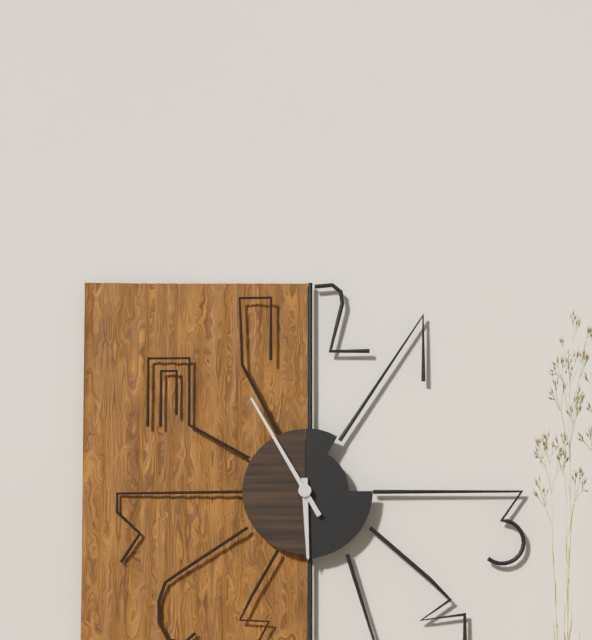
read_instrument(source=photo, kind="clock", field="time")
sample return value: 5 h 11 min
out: 5 h 55 min
